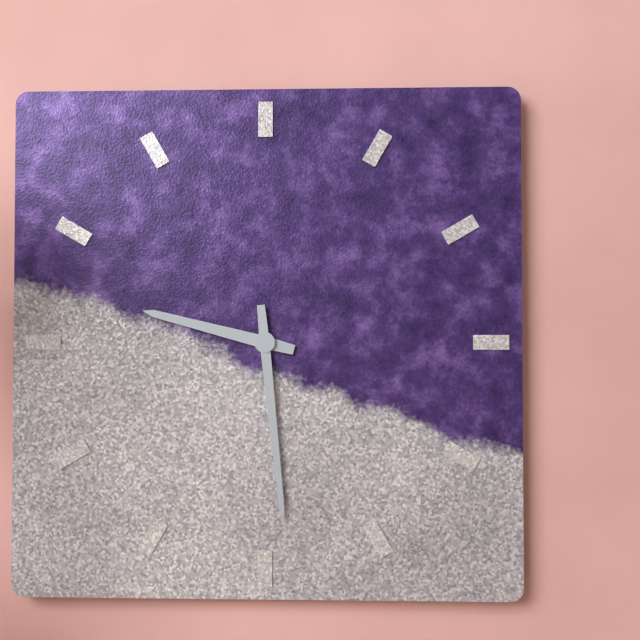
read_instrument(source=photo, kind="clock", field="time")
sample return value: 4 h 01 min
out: 9 h 29 min
